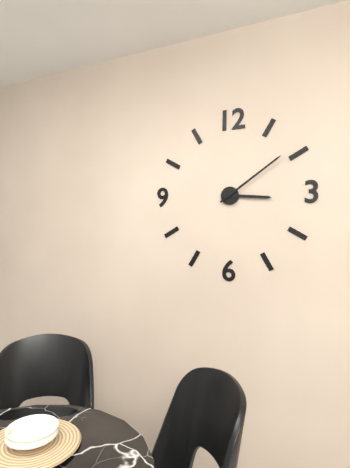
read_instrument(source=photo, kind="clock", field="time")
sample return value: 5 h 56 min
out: 3 h 09 min
